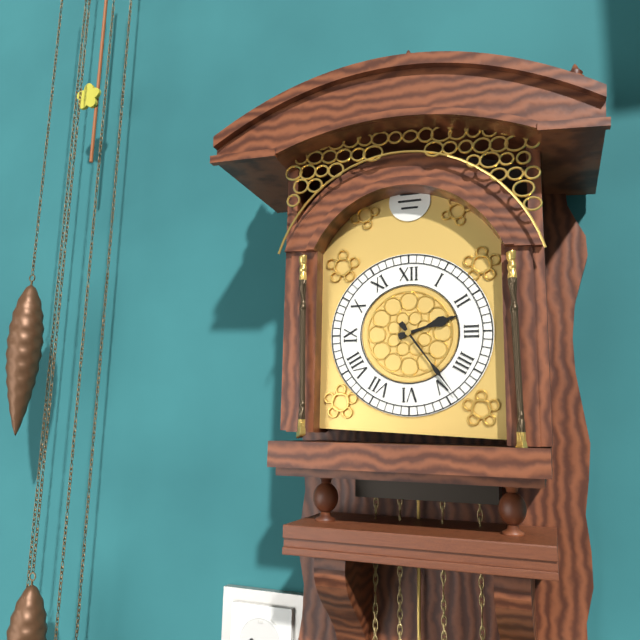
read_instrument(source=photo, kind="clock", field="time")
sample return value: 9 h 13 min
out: 2 h 24 min
